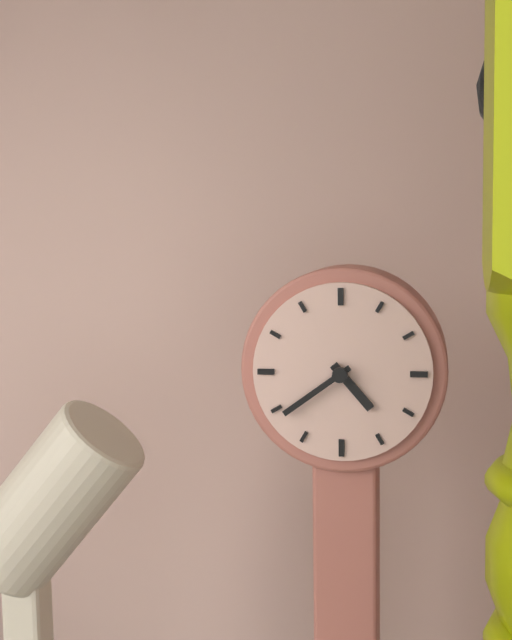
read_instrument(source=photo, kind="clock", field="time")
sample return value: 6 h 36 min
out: 4 h 39 min
